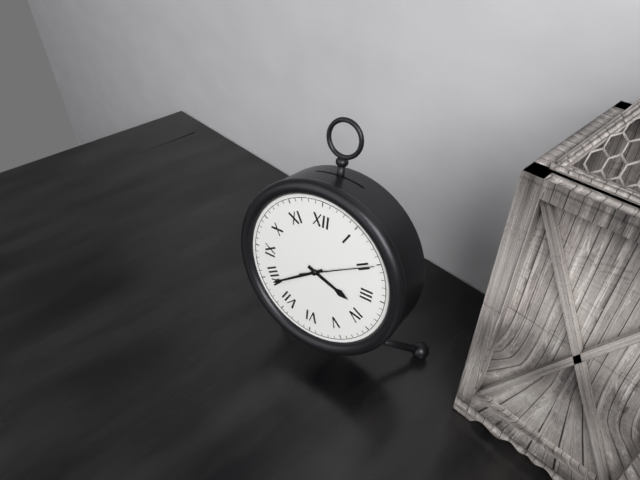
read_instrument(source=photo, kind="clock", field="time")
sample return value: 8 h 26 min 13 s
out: 3 h 39 min 10 s
